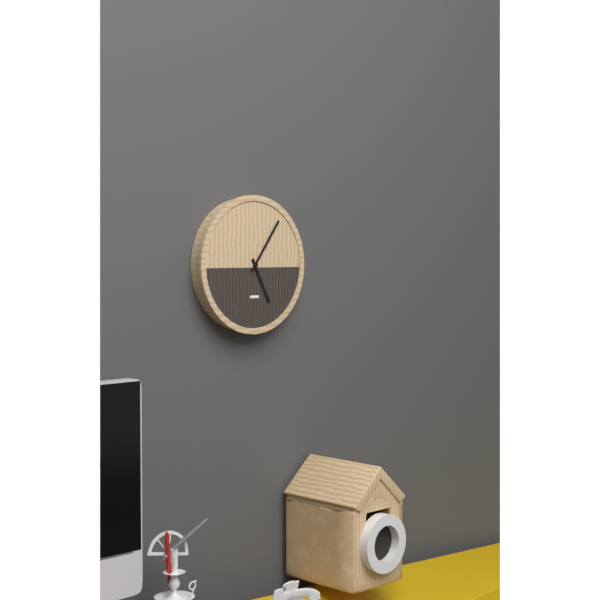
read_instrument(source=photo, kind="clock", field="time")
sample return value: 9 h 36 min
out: 5 h 06 min
